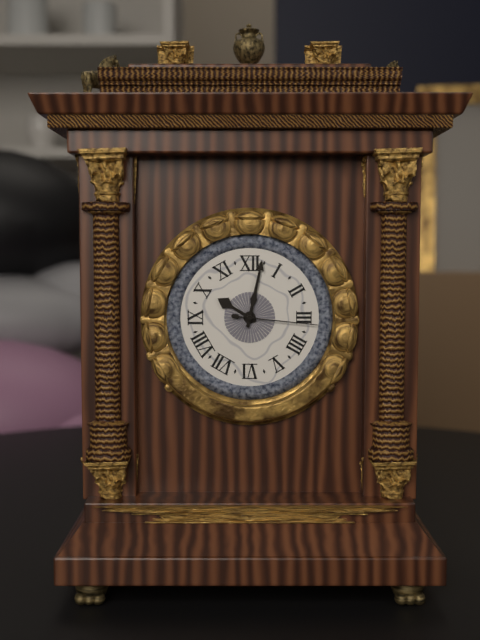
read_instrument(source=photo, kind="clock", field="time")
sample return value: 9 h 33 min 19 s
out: 10 h 02 min 16 s
